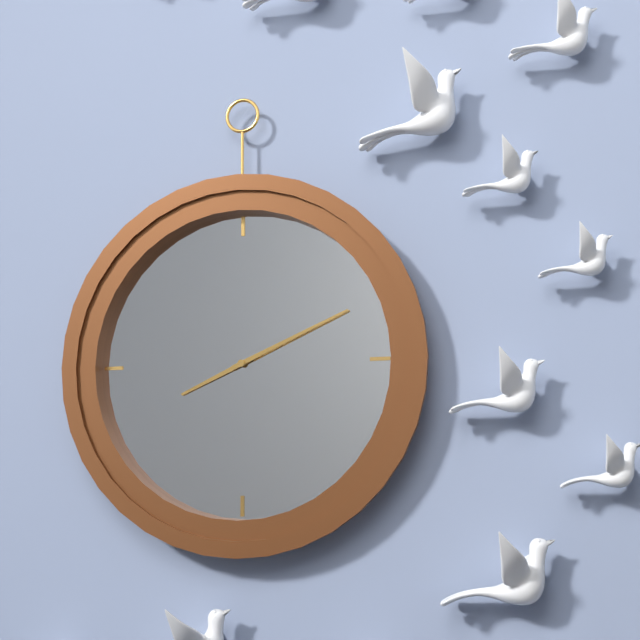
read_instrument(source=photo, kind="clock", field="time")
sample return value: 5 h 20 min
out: 8 h 11 min
